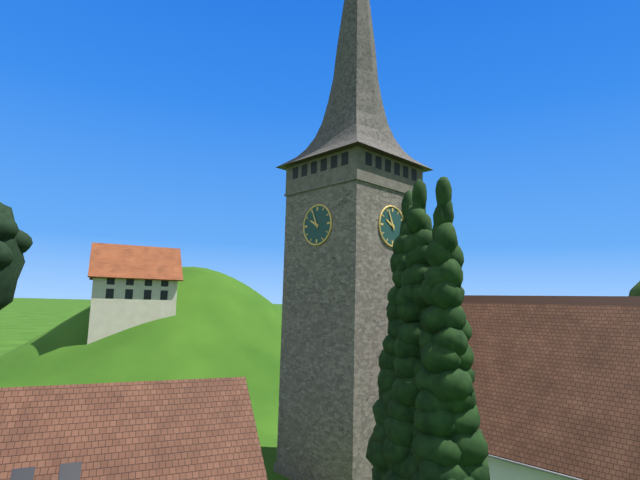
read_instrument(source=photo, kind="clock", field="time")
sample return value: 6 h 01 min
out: 9 h 56 min
